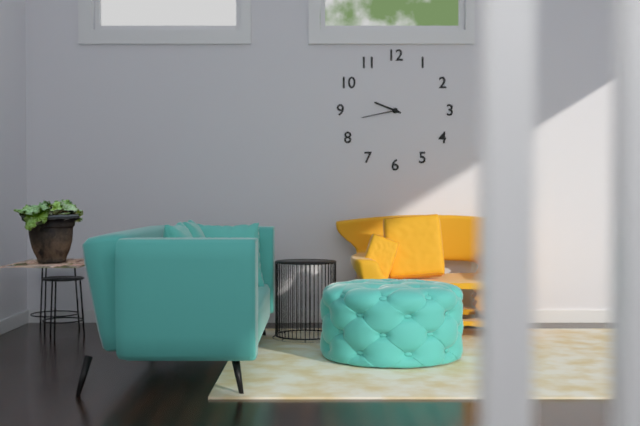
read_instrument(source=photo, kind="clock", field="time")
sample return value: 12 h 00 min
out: 9 h 43 min
